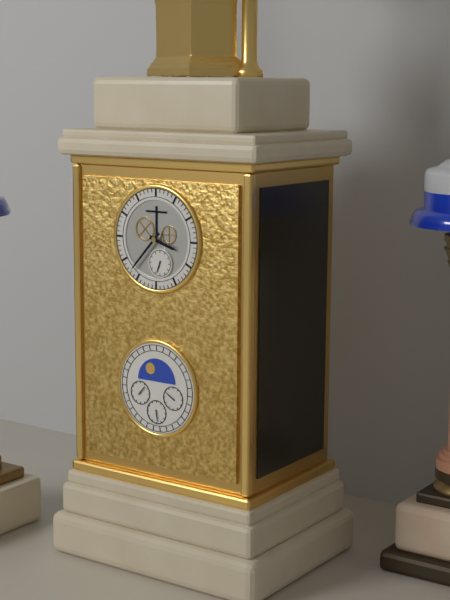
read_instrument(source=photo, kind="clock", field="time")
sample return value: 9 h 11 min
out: 3 h 37 min
